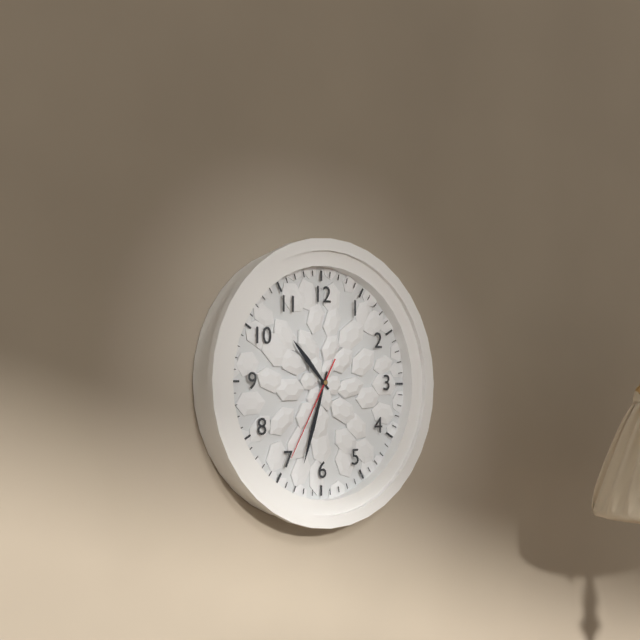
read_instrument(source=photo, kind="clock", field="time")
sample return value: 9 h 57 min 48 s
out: 10 h 33 min 35 s
